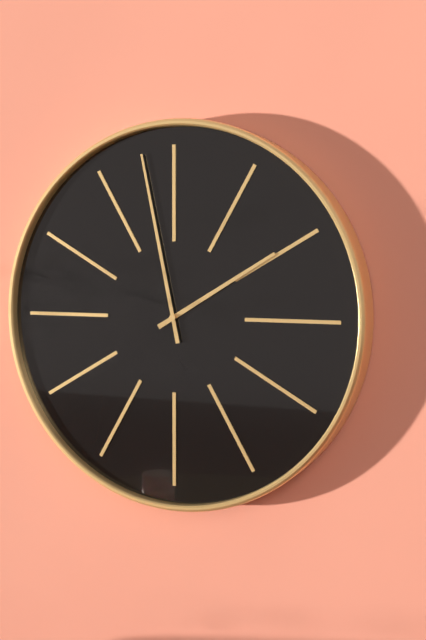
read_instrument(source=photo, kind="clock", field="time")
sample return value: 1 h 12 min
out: 1 h 58 min
